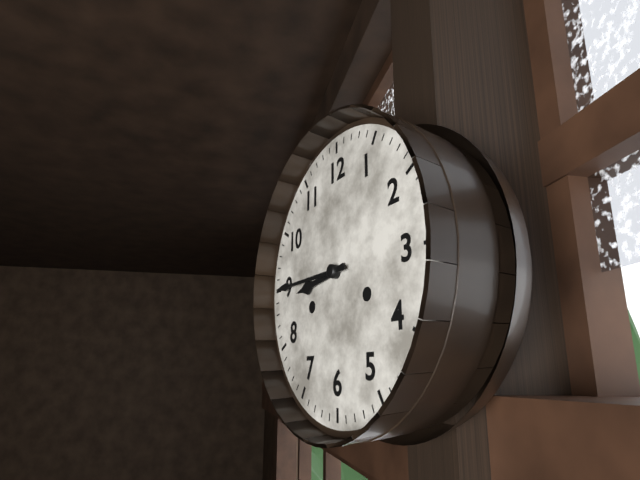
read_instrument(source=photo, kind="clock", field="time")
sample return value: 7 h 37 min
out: 8 h 45 min
